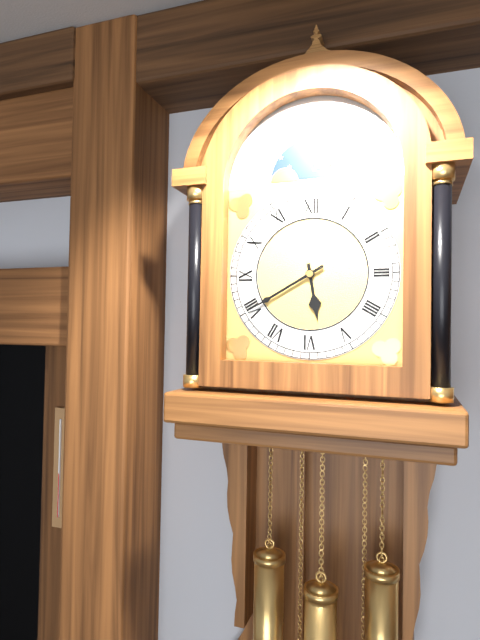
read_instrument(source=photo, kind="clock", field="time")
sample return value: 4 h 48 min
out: 5 h 40 min
